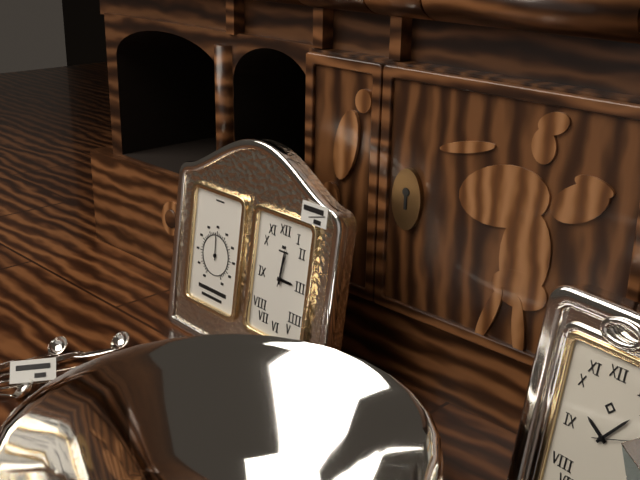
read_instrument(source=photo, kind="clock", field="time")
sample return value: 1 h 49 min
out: 3 h 01 min
